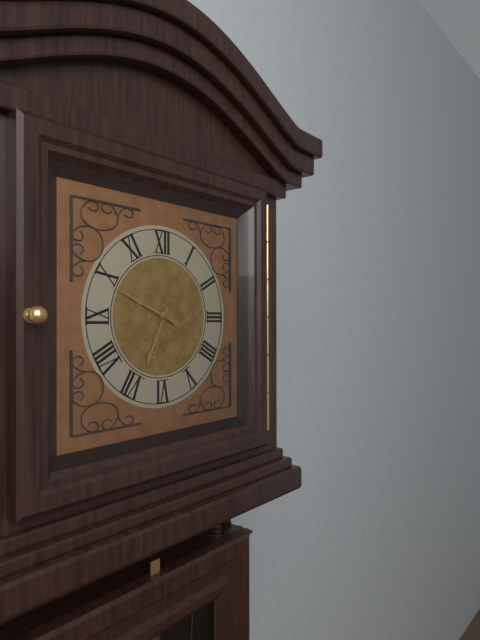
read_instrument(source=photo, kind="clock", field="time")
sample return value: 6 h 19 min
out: 6 h 49 min
